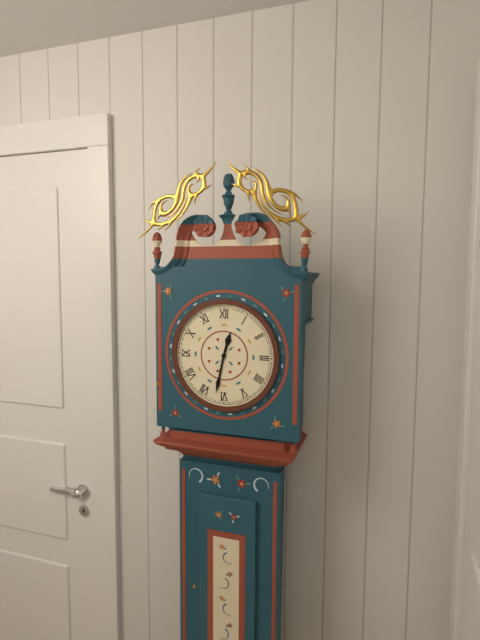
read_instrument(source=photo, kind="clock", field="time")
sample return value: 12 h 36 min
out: 12 h 32 min
